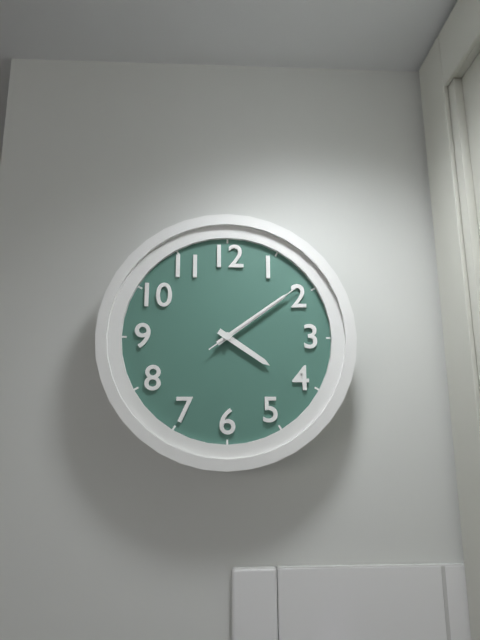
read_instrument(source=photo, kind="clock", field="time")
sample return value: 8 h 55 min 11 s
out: 4 h 09 min 09 s
